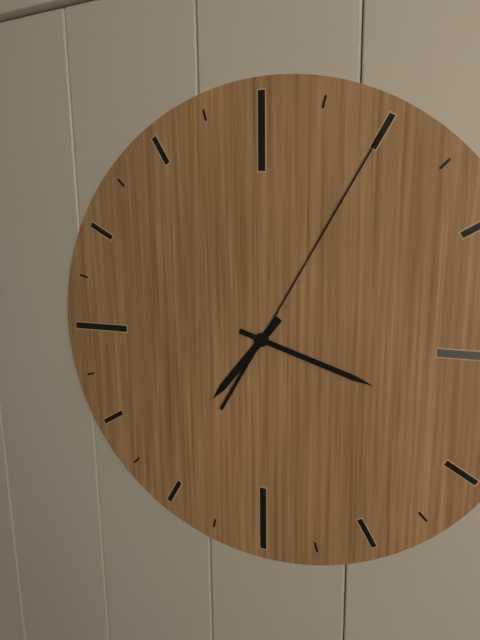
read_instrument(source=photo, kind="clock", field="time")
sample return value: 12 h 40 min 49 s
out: 7 h 18 min 05 s
